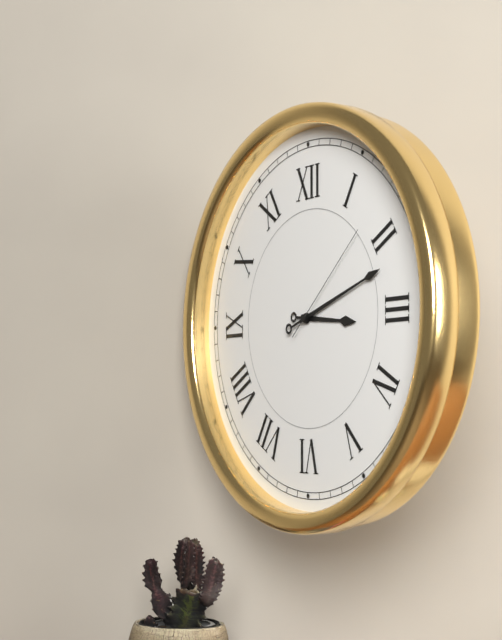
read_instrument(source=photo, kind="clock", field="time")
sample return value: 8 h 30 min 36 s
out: 3 h 12 min 08 s
